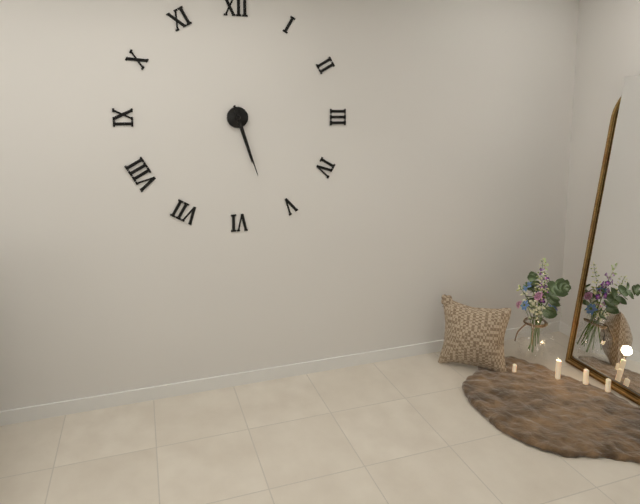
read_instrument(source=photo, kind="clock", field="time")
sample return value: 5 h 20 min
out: 5 h 27 min
